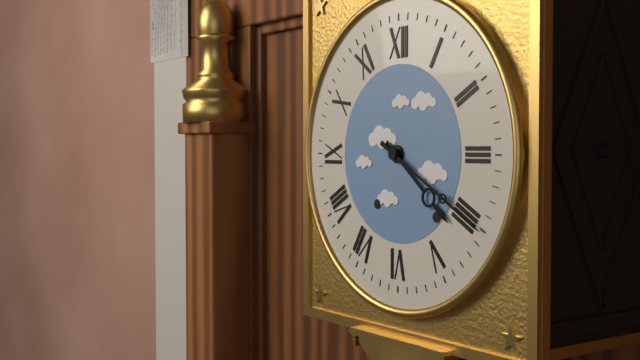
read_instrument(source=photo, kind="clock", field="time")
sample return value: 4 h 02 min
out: 4 h 20 min
